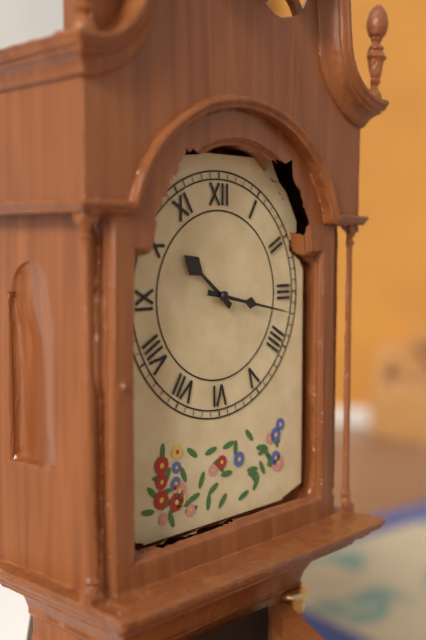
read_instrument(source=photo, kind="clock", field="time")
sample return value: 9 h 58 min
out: 10 h 17 min
